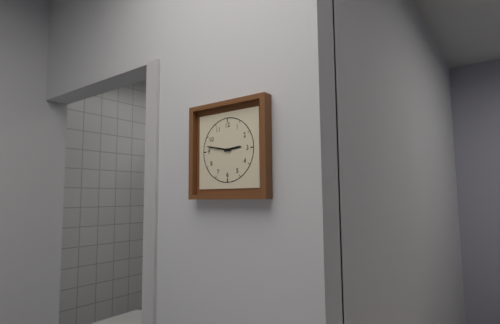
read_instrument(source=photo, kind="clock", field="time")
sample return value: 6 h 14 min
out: 2 h 47 min
